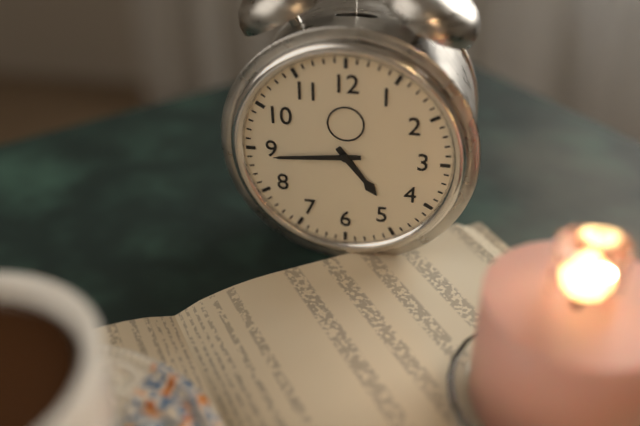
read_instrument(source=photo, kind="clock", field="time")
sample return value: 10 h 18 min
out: 4 h 44 min
